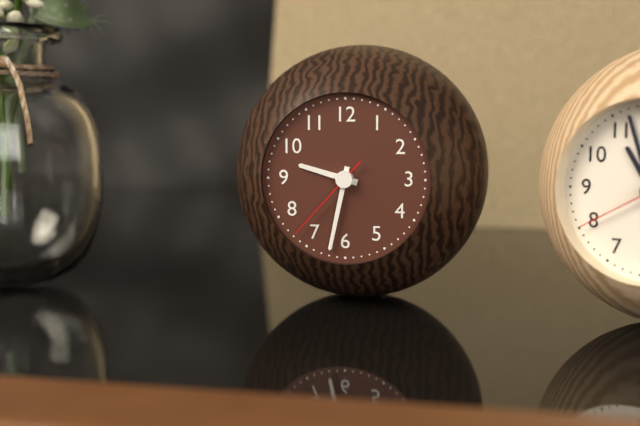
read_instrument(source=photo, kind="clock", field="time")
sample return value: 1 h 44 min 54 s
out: 9 h 32 min 37 s
